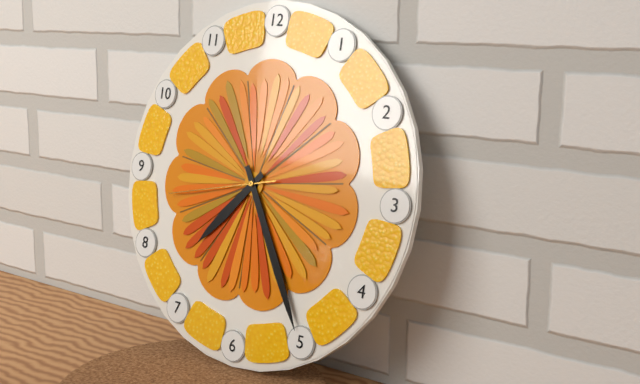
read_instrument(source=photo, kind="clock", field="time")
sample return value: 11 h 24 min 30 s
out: 7 h 25 min 43 s
